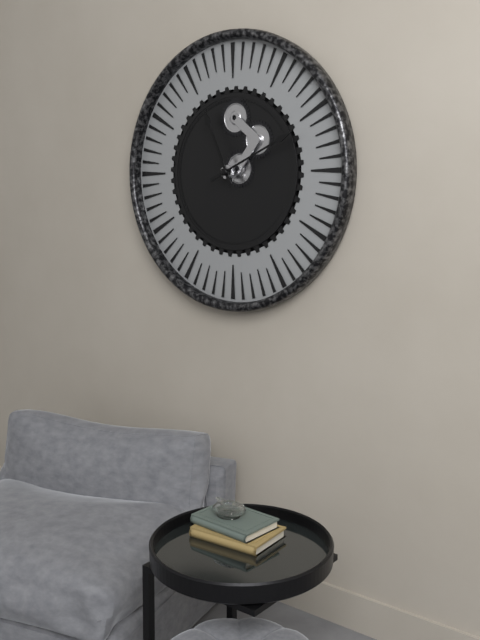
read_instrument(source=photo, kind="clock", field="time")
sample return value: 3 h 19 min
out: 11 h 11 min
